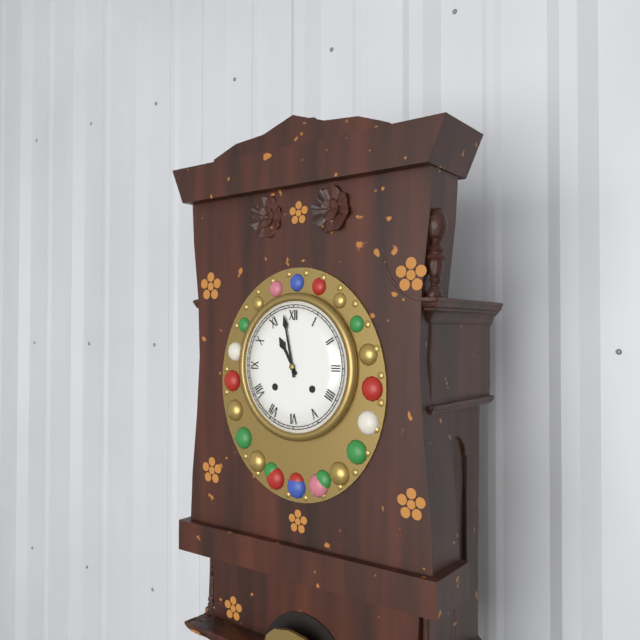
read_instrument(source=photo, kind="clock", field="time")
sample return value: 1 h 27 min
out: 10 h 58 min
